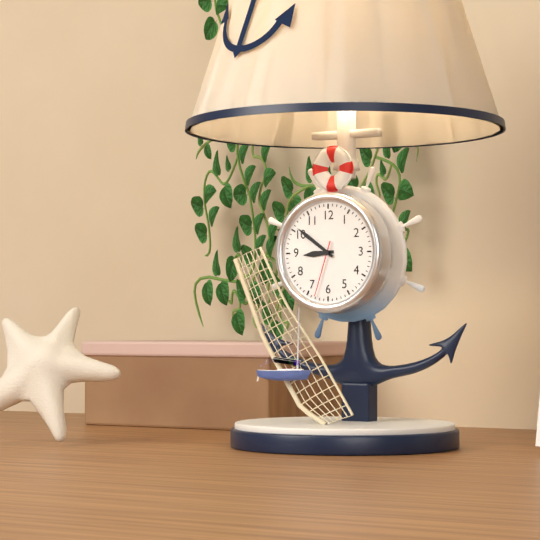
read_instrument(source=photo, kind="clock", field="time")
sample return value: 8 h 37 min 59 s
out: 8 h 51 min 33 s
